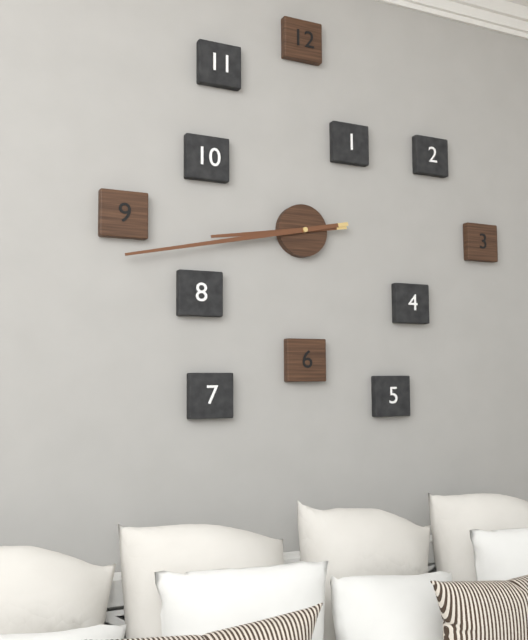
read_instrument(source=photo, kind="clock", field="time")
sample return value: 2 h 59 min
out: 8 h 43 min
